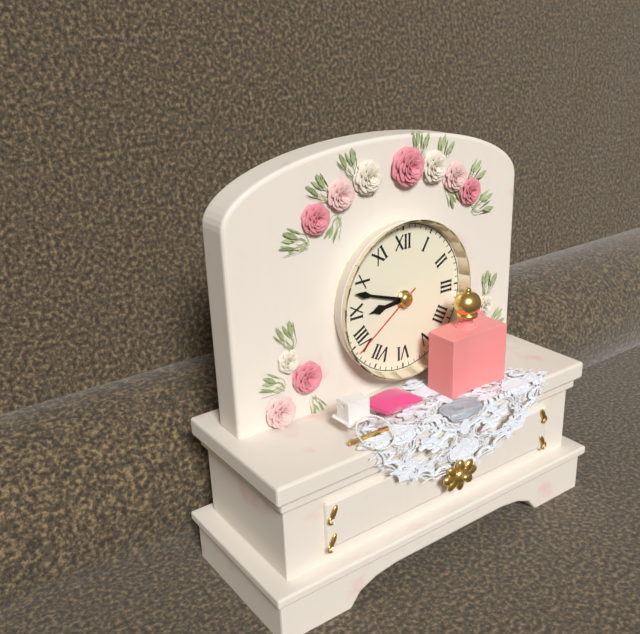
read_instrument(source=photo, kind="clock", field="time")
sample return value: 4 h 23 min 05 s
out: 8 h 48 min 39 s
